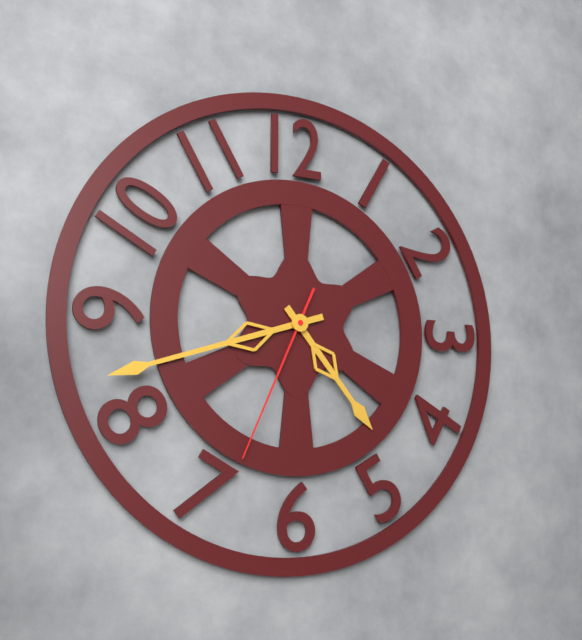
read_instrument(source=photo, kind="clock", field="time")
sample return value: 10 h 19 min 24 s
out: 4 h 42 min 34 s
